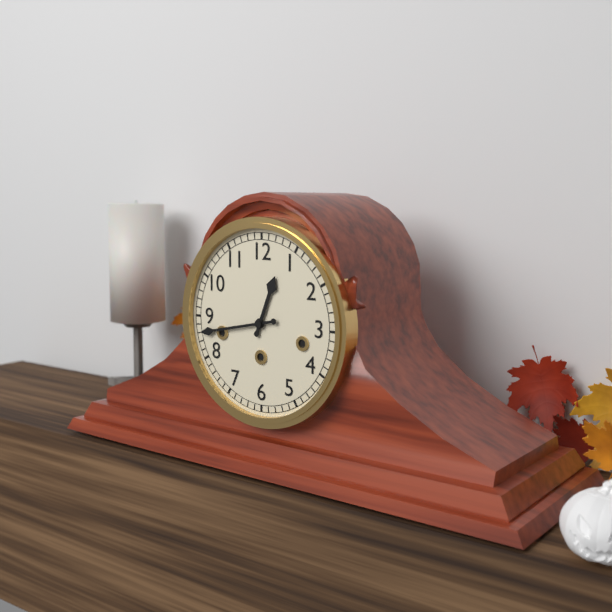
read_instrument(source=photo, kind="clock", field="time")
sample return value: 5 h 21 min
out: 12 h 43 min
